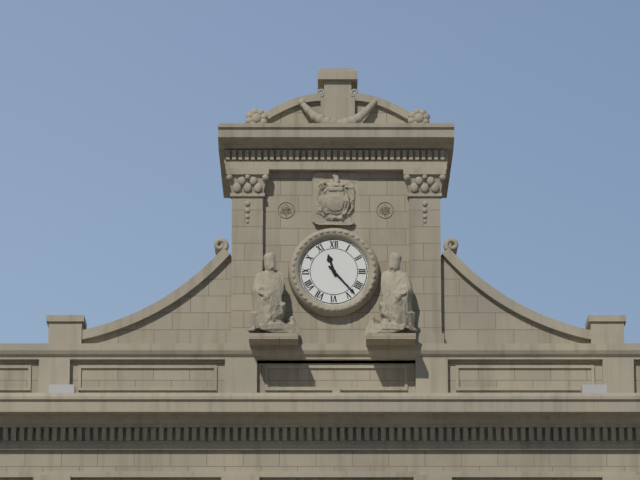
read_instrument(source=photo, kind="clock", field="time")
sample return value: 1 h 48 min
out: 11 h 23 min
